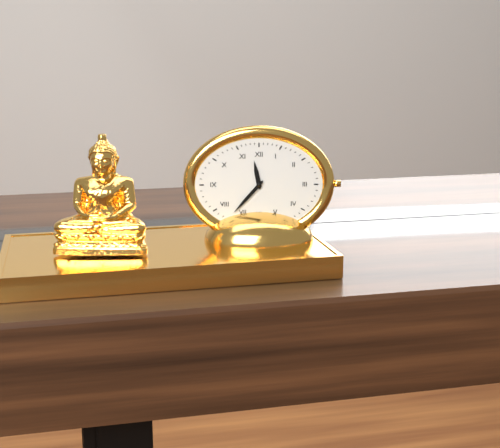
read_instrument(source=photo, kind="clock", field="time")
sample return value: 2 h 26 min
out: 11 h 37 min
